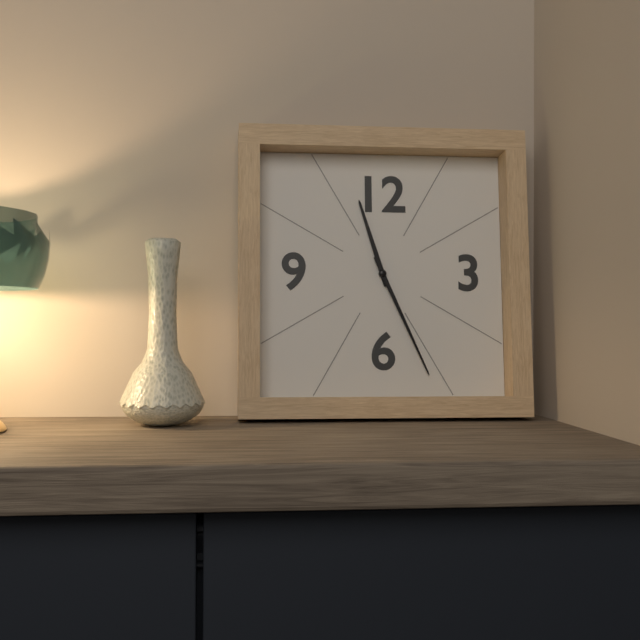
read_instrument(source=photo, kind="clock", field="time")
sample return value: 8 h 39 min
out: 11 h 26 min
